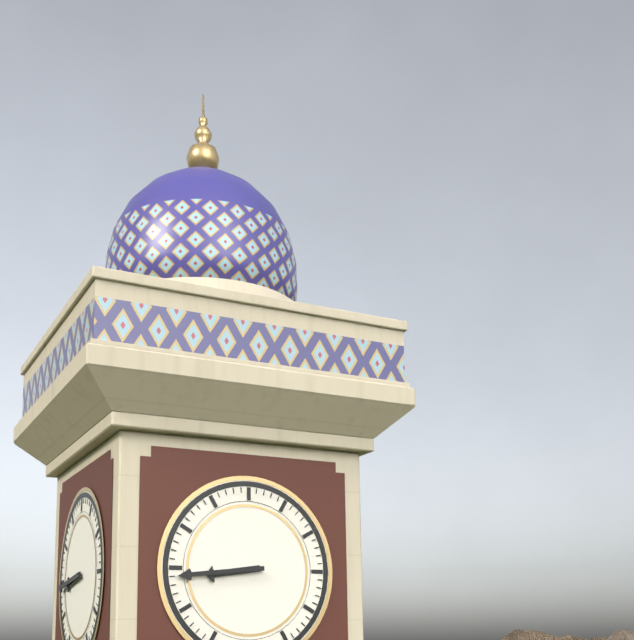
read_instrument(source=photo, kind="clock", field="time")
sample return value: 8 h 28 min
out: 8 h 44 min
